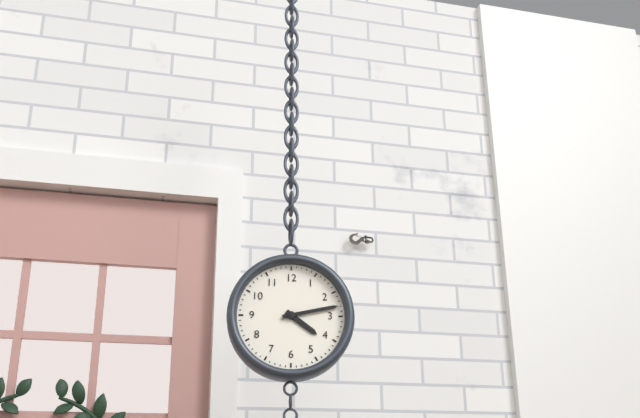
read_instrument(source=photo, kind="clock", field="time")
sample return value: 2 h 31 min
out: 4 h 13 min
